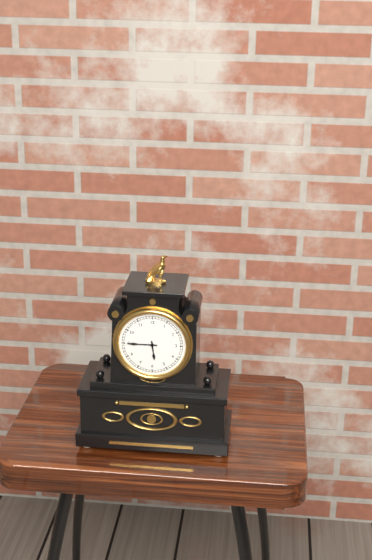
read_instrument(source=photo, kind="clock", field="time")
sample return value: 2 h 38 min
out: 5 h 45 min
